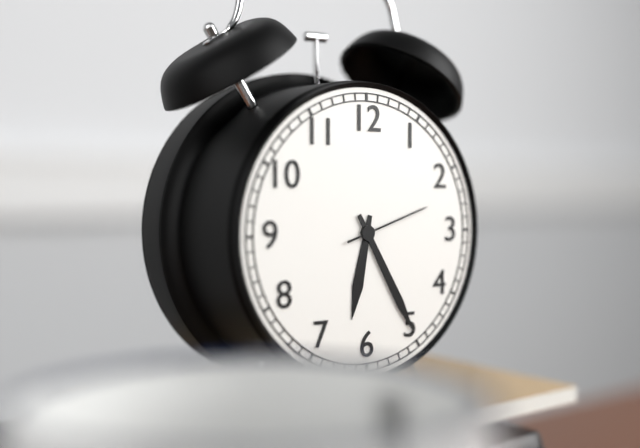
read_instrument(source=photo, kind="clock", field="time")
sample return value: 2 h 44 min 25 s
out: 6 h 25 min 12 s
